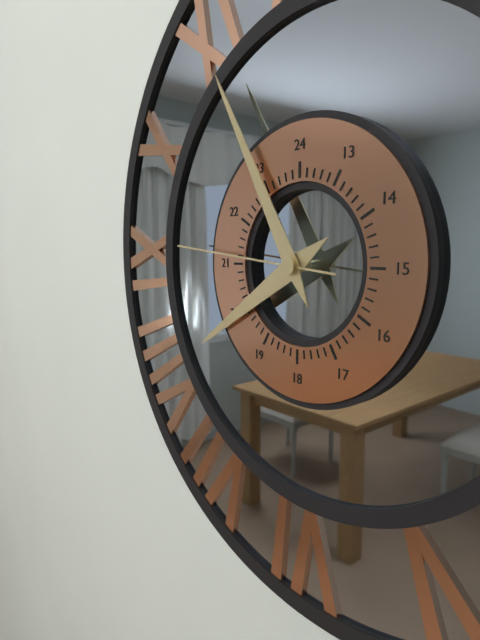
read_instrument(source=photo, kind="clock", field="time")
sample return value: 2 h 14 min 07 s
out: 7 h 55 min 46 s
